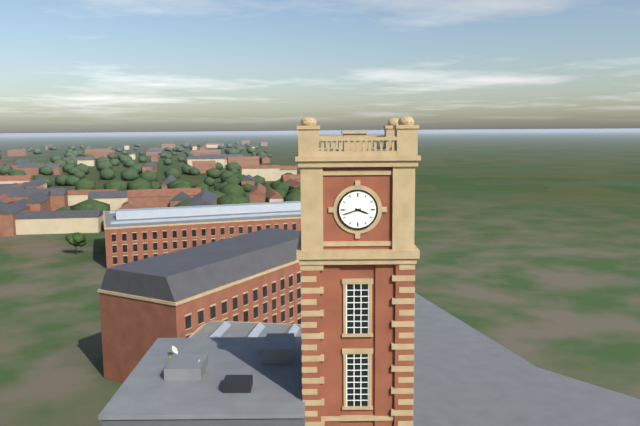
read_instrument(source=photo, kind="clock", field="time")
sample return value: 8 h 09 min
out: 3 h 42 min
